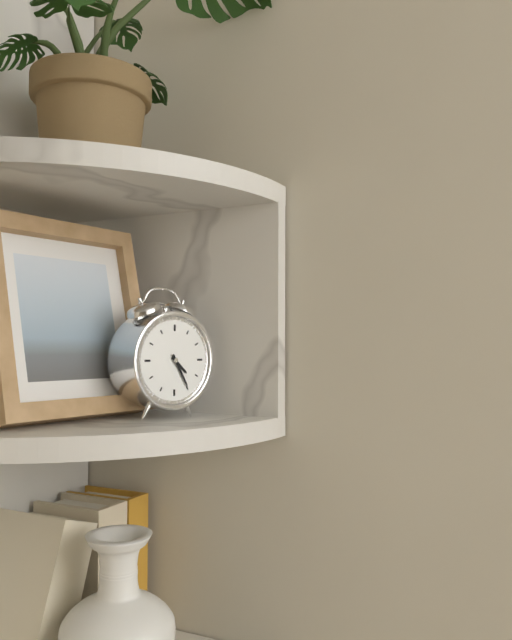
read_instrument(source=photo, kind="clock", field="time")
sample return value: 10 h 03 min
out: 4 h 25 min
